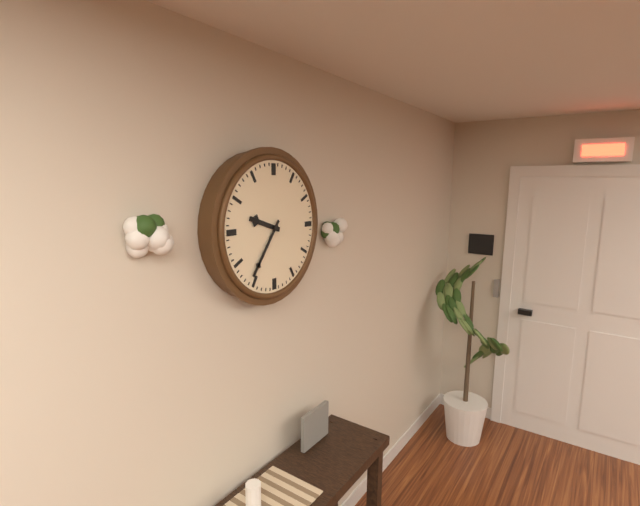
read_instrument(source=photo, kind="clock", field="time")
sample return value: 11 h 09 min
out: 9 h 36 min
